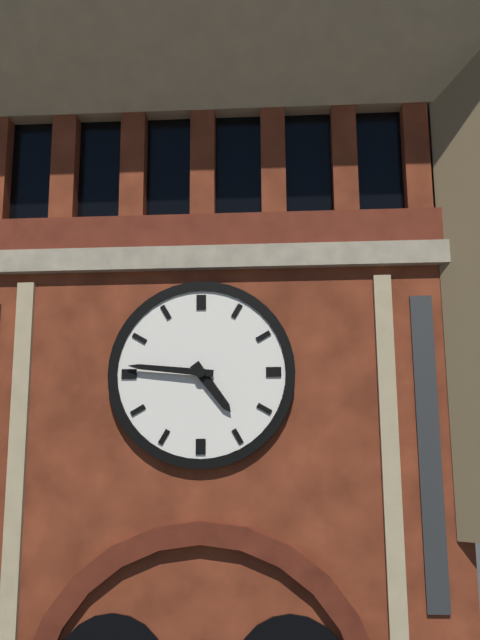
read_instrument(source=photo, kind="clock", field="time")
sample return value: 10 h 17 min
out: 4 h 46 min
